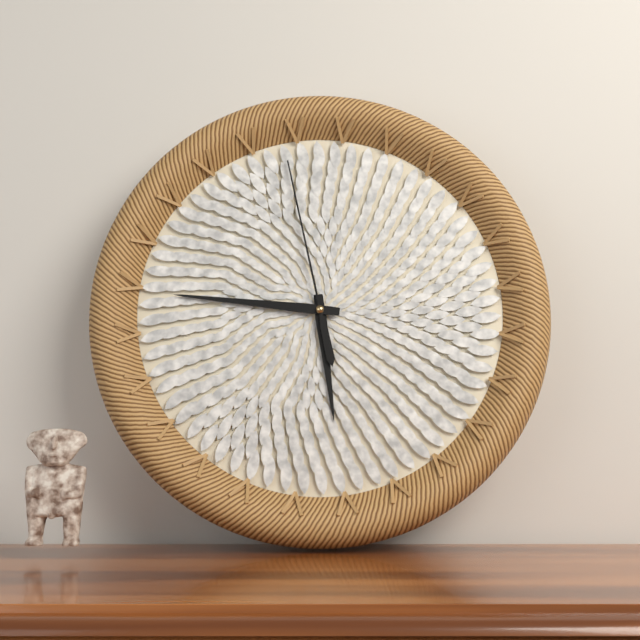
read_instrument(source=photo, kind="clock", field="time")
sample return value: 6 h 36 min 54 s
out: 5 h 46 min 58 s
